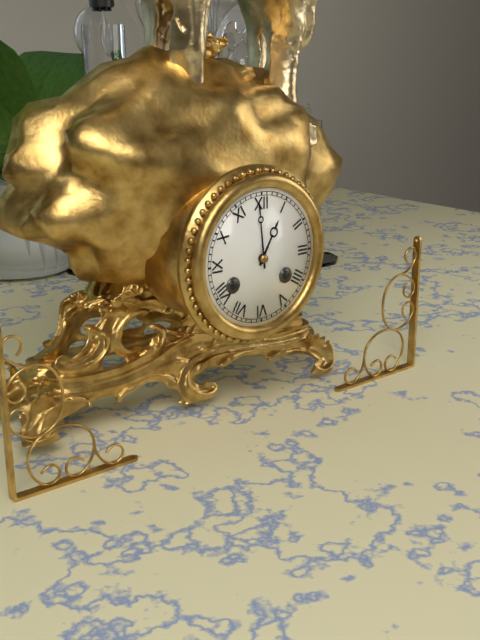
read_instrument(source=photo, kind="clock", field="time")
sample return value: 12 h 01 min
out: 12 h 59 min
